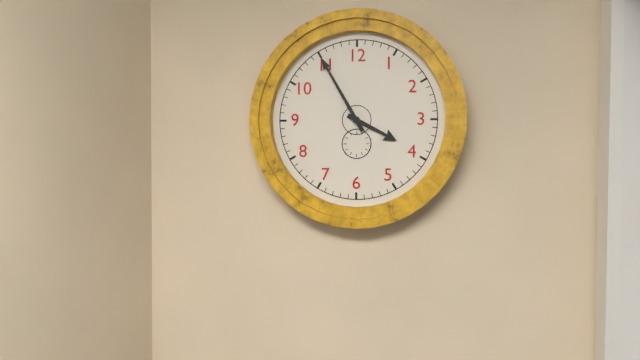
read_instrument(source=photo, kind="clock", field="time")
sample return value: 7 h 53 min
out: 3 h 55 min
